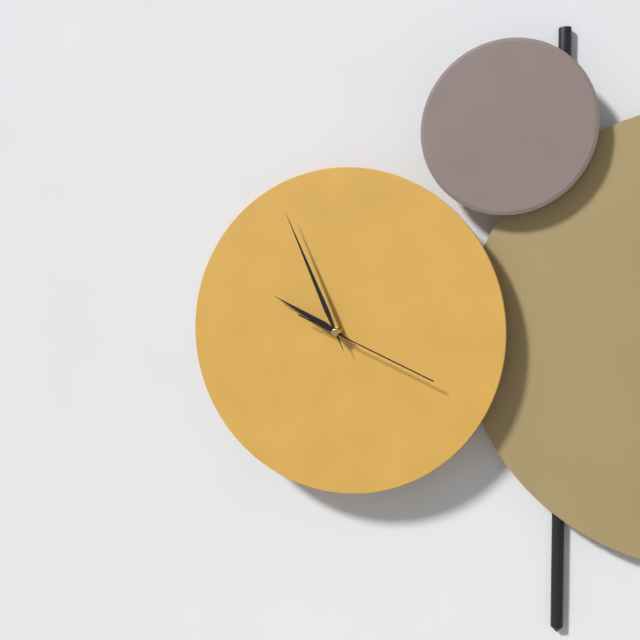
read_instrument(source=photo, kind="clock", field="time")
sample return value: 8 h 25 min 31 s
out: 9 h 56 min 19 s
